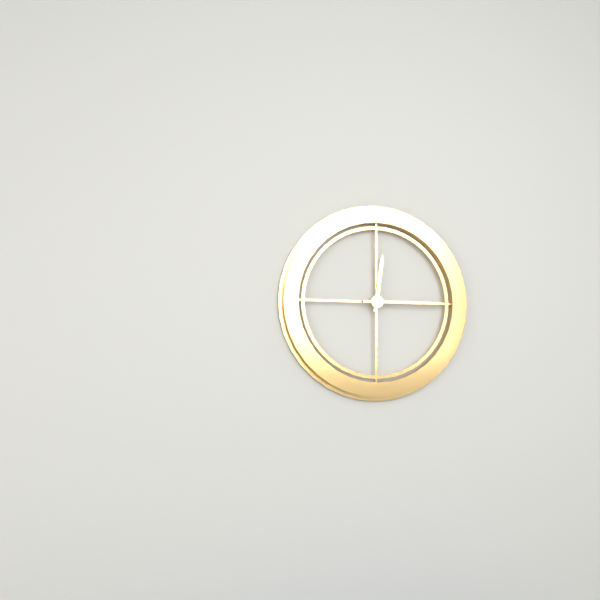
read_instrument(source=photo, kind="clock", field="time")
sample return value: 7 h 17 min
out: 12 h 15 min
